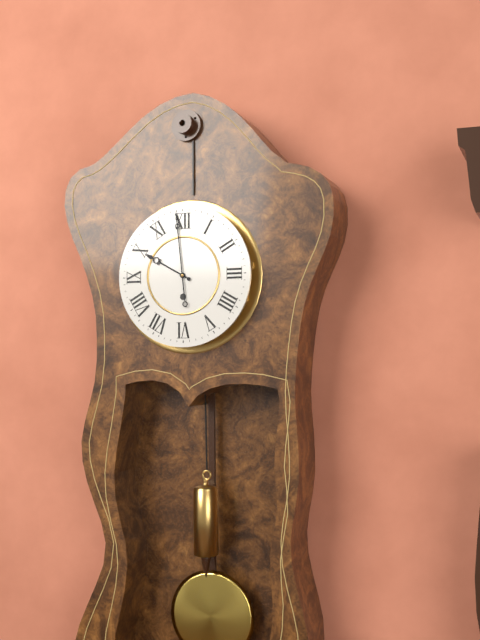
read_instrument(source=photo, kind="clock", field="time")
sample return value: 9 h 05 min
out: 9 h 59 min
